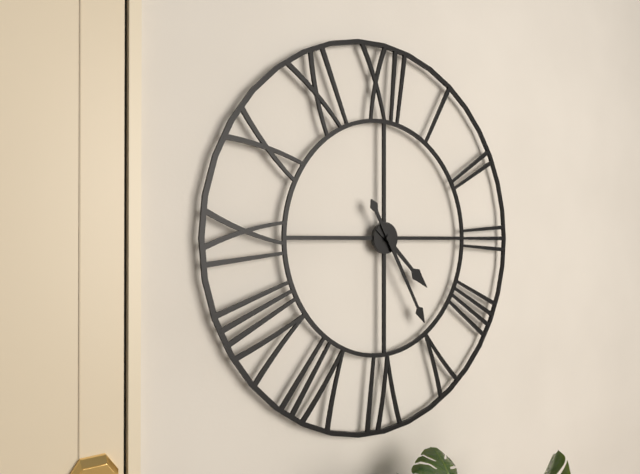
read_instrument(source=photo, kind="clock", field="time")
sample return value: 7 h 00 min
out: 4 h 25 min
